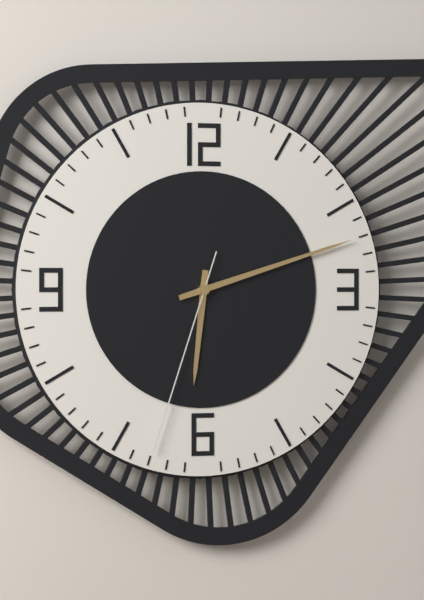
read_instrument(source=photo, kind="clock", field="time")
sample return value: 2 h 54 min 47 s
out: 6 h 12 min 33 s
